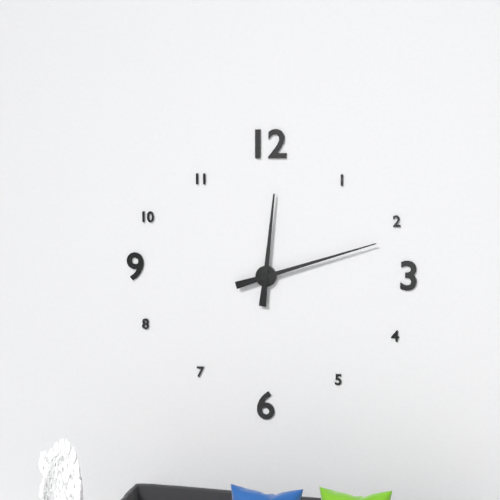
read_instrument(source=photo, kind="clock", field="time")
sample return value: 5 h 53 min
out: 12 h 12 min
